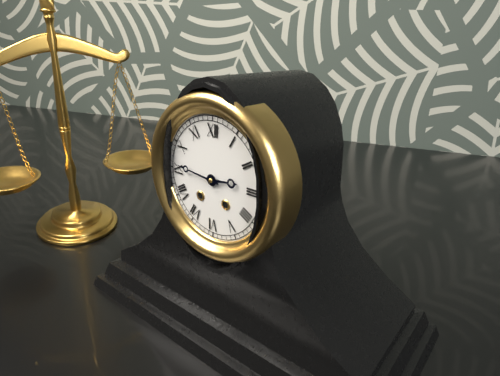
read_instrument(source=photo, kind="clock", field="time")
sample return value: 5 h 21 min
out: 2 h 46 min
